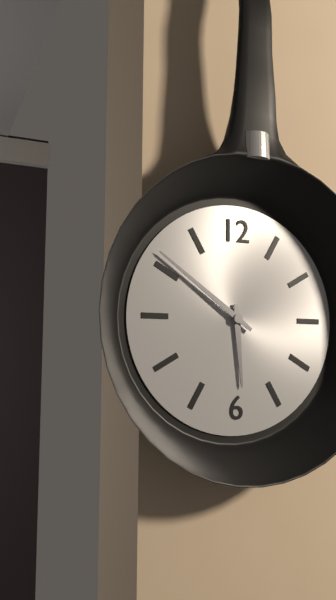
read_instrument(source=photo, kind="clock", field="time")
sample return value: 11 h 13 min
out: 5 h 51 min
